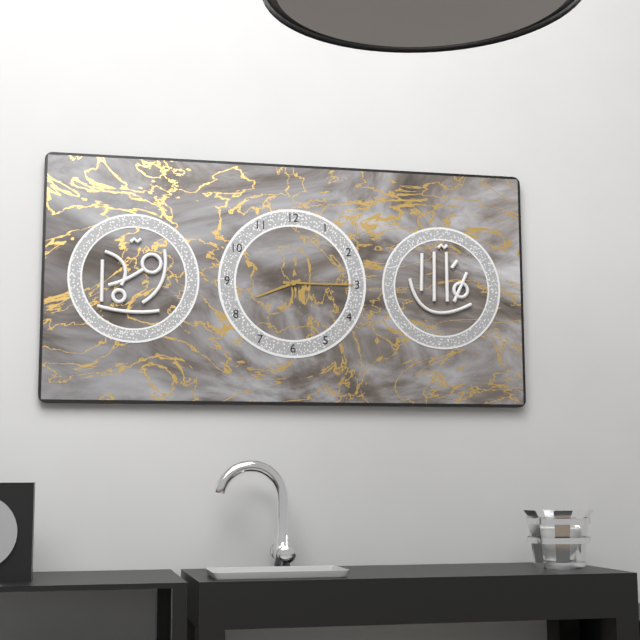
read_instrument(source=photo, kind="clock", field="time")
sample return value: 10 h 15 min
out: 8 h 15 min
